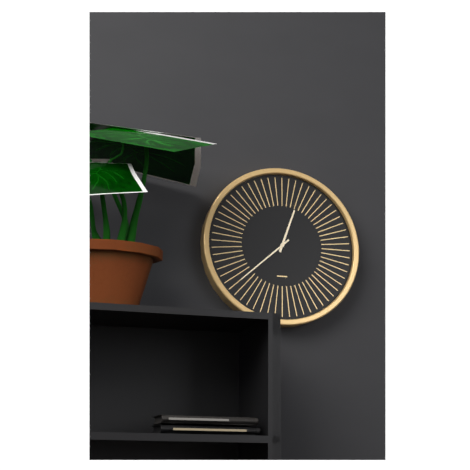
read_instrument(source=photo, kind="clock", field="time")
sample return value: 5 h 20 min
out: 12 h 38 min
